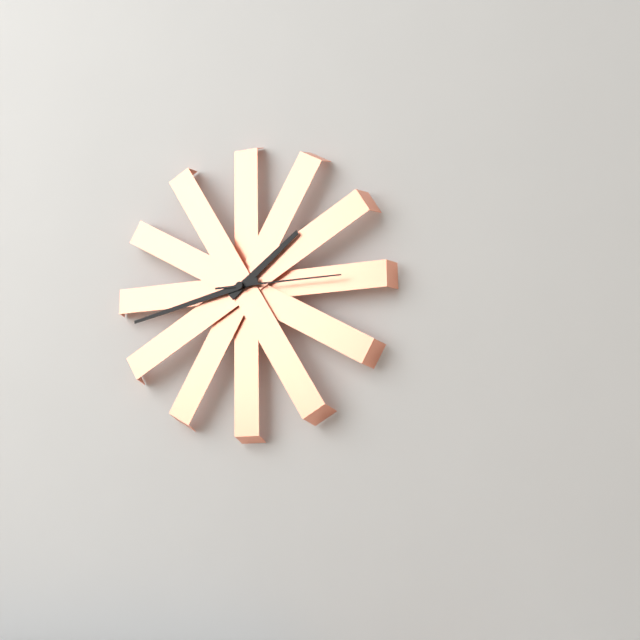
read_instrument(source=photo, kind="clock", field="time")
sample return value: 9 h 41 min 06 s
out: 1 h 43 min 15 s
